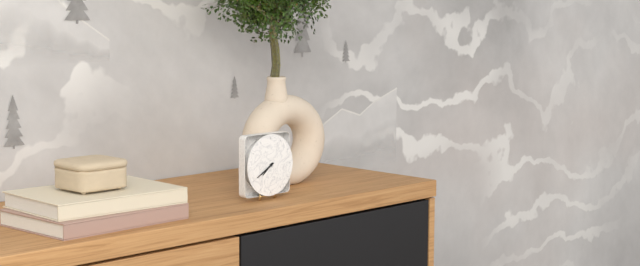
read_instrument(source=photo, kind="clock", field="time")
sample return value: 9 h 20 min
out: 7 h 40 min
